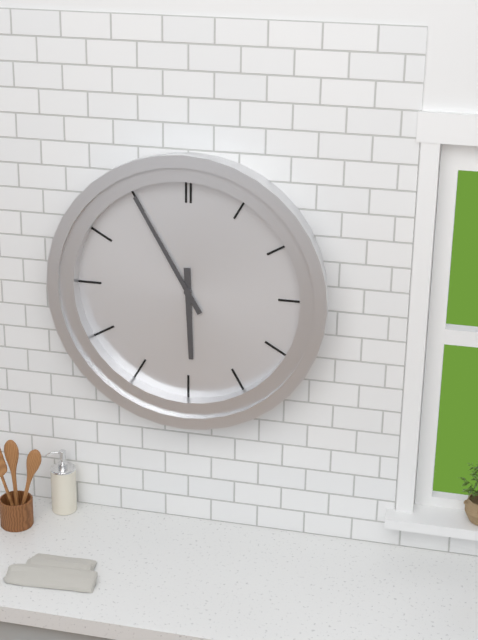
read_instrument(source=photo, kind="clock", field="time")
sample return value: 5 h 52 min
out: 5 h 55 min
